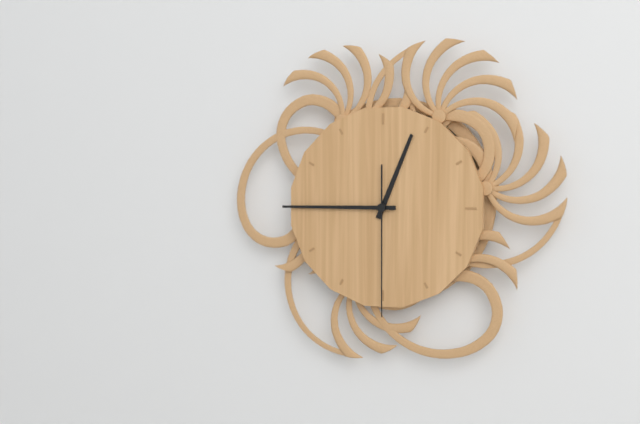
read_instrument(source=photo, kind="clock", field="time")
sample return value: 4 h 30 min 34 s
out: 12 h 45 min 30 s
